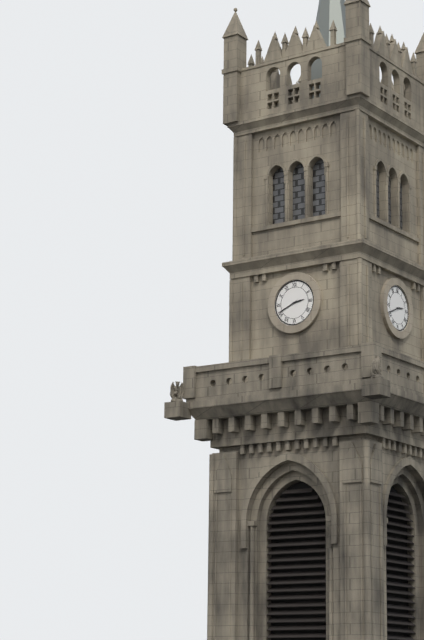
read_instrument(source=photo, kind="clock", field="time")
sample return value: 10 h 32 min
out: 2 h 41 min
